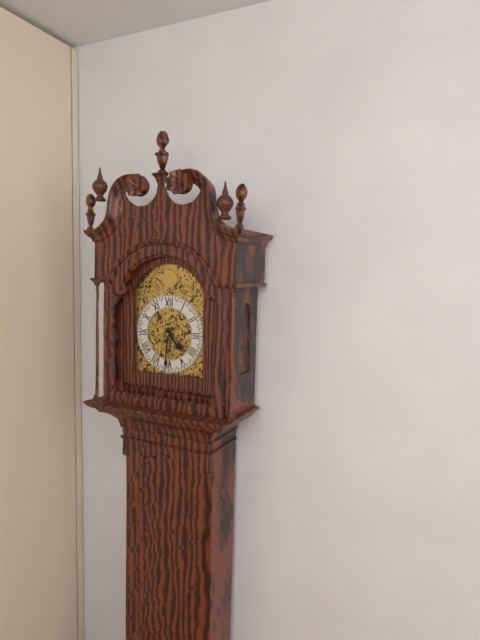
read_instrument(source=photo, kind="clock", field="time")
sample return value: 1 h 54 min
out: 4 h 31 min
